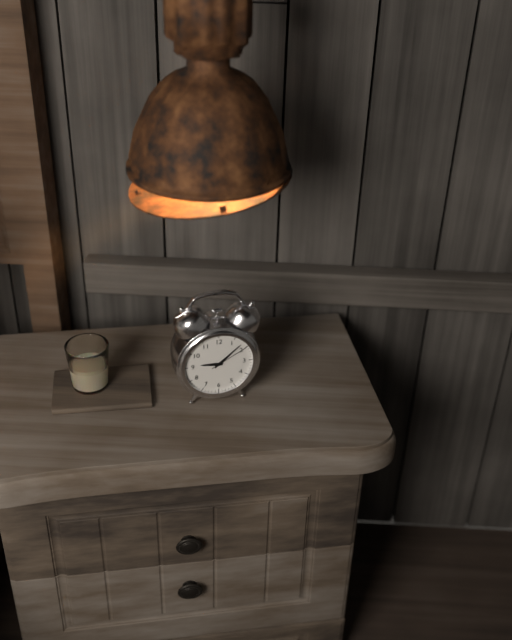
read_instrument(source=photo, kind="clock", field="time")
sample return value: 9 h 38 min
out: 9 h 08 min
